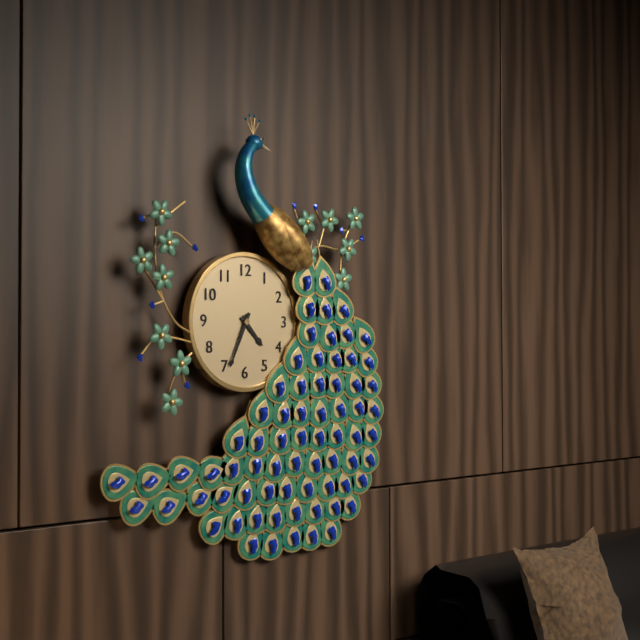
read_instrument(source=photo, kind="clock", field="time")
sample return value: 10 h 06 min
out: 4 h 34 min
